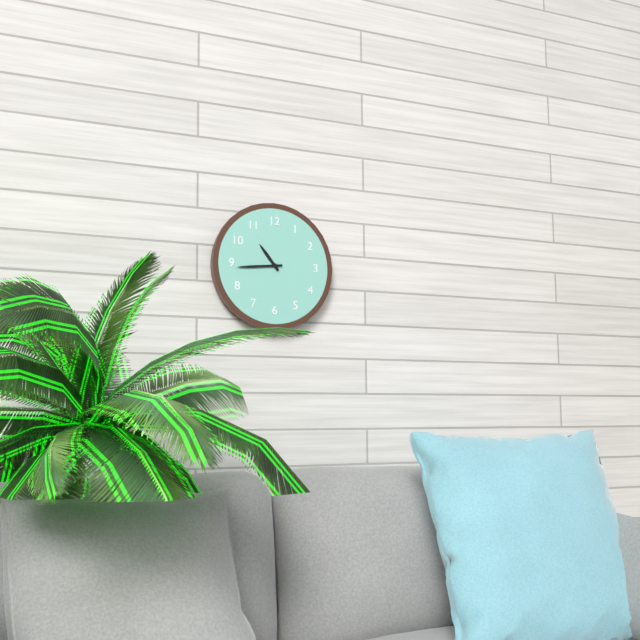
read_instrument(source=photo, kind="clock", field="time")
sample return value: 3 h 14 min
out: 10 h 44 min
